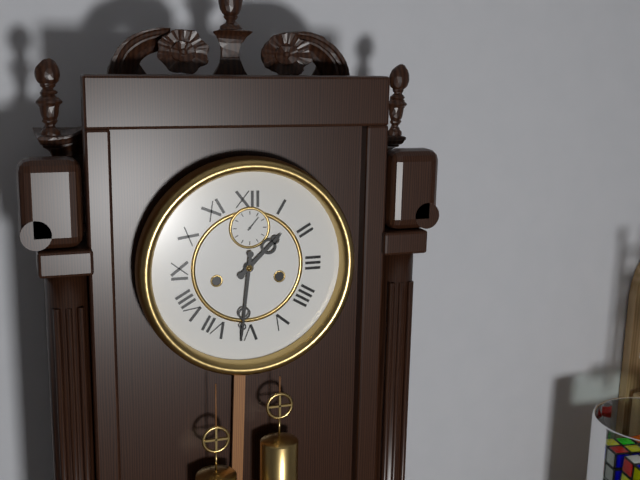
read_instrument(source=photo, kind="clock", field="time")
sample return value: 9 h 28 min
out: 1 h 31 min
